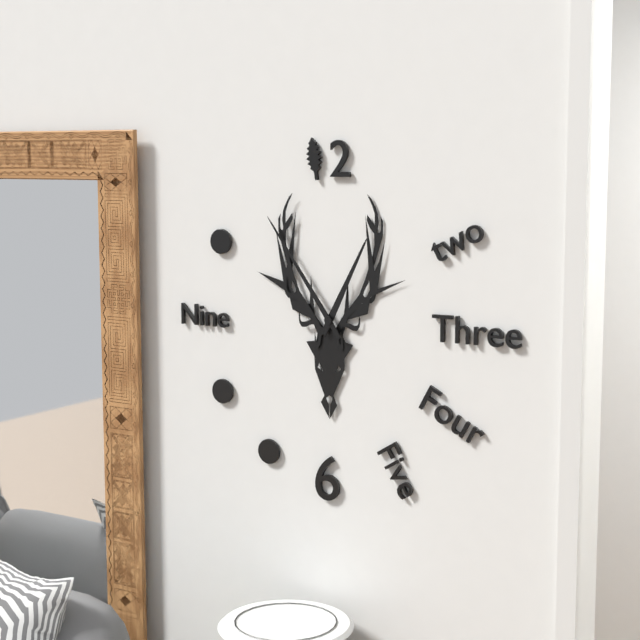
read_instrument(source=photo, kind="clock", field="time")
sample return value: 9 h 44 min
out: 12 h 54 min
